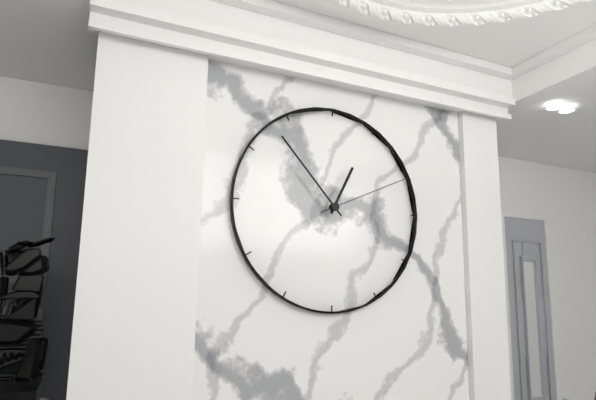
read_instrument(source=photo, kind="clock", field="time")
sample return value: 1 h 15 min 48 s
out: 12 h 53 min 11 s
